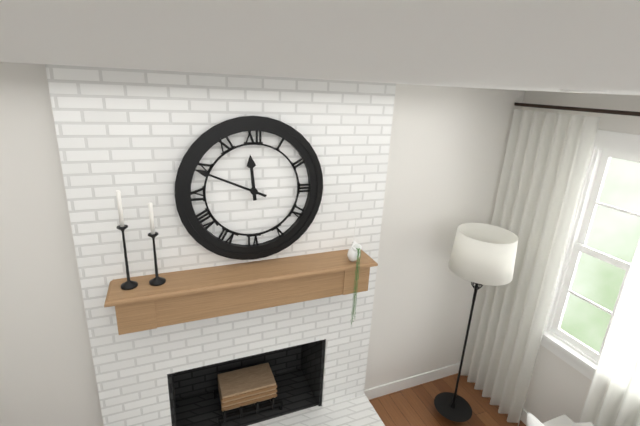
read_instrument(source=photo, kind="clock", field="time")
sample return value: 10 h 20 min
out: 11 h 49 min
